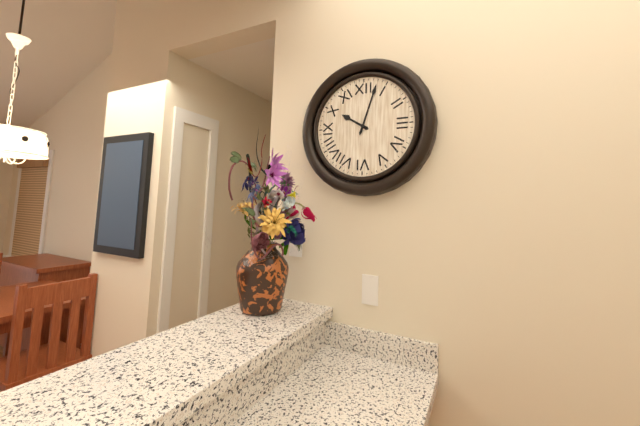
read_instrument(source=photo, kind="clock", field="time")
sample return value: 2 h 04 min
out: 10 h 03 min
